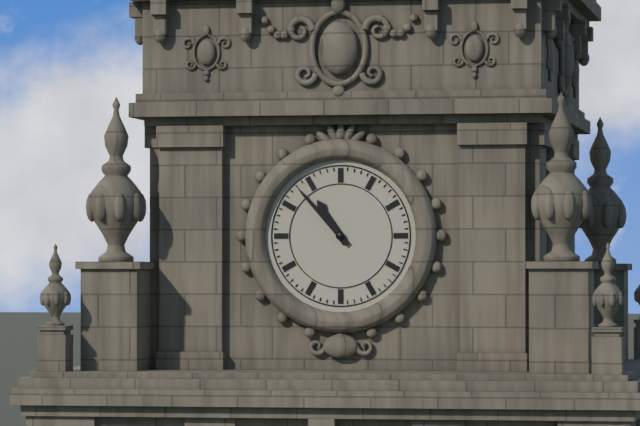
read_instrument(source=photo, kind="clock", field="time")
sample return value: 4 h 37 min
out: 10 h 53 min
